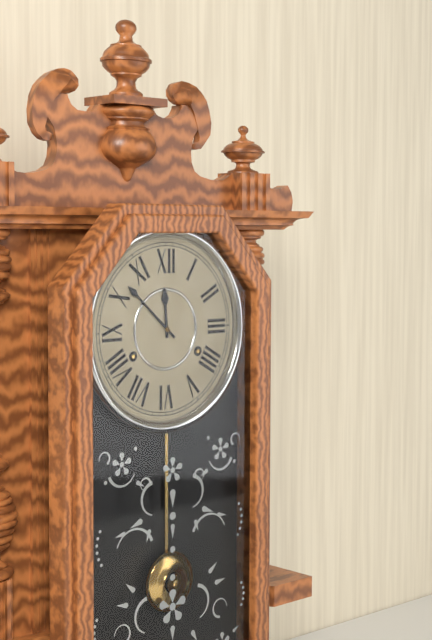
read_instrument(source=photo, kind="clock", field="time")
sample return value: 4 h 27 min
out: 11 h 52 min
